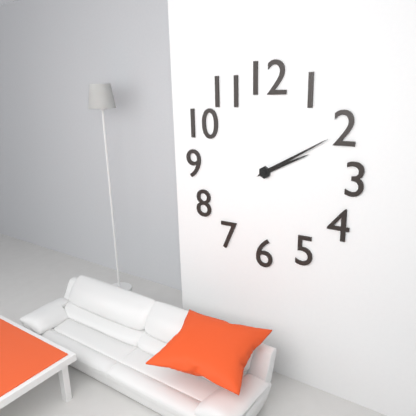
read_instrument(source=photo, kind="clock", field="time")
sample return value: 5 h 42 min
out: 2 h 10 min
